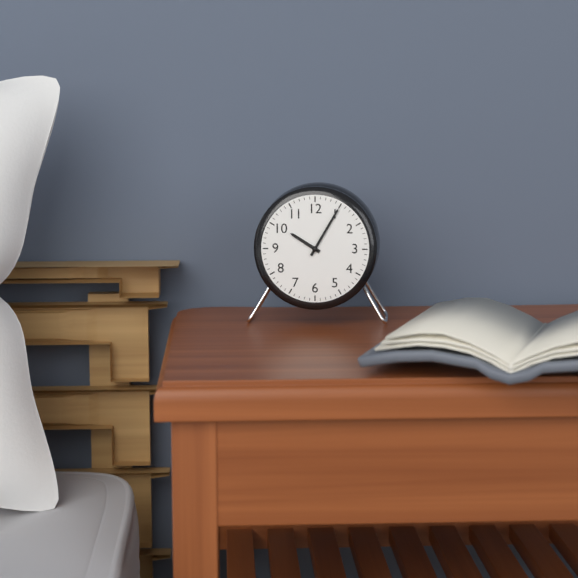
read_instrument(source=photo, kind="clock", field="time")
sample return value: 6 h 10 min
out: 10 h 05 min
